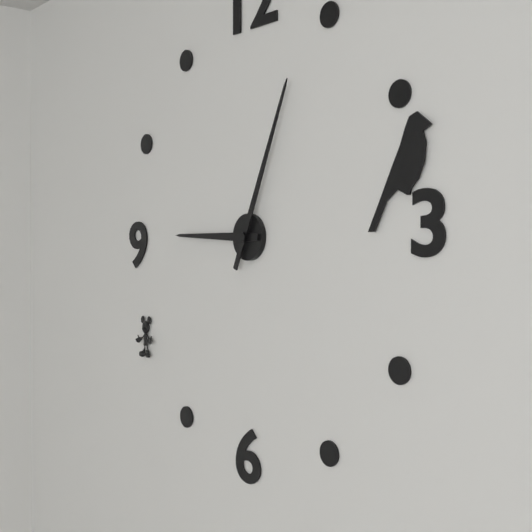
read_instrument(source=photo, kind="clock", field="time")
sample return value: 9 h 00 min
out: 9 h 04 min
